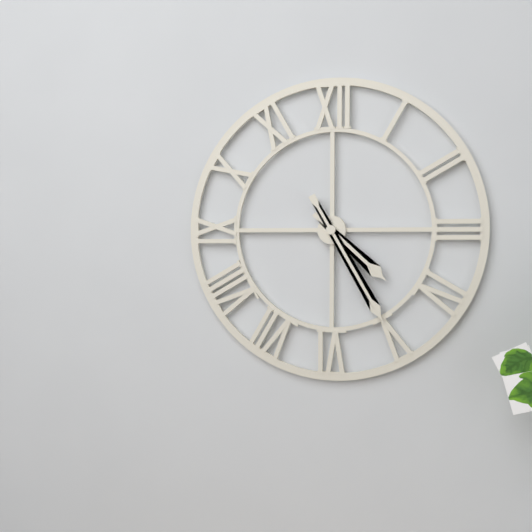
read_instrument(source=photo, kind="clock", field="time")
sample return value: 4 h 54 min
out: 4 h 25 min
